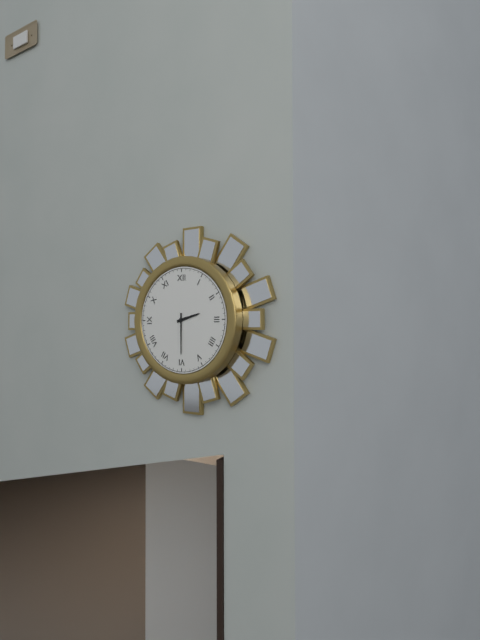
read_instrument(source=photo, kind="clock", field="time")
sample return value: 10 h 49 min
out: 2 h 30 min
